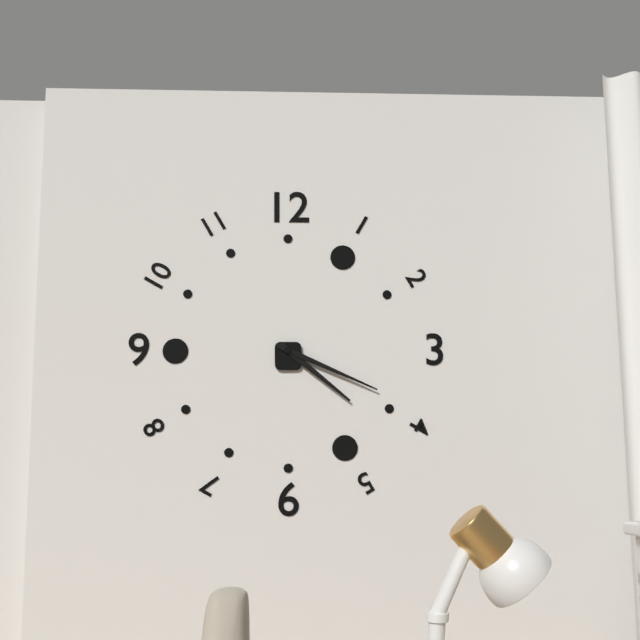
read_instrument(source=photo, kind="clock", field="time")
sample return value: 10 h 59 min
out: 4 h 19 min
